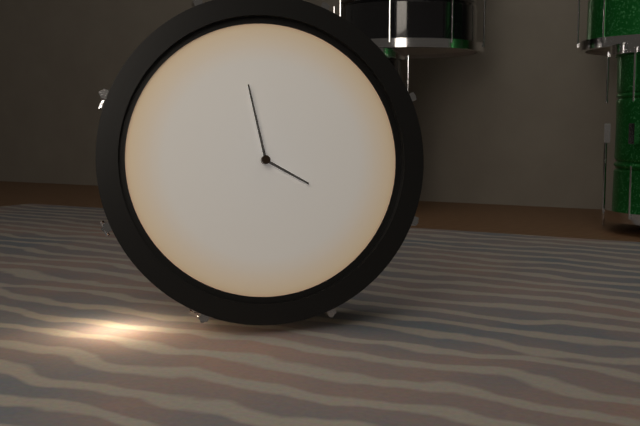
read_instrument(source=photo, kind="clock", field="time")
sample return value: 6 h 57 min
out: 3 h 58 min
